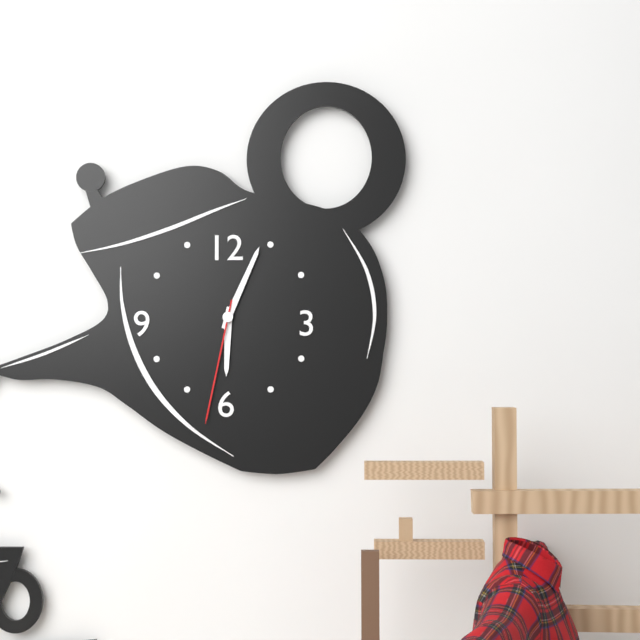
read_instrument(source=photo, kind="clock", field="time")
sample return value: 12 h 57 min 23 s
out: 6 h 04 min 32 s
